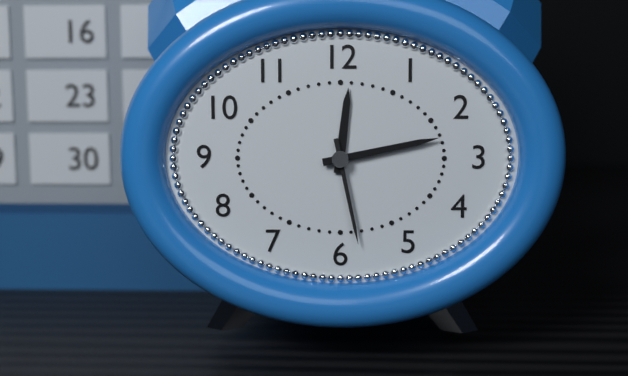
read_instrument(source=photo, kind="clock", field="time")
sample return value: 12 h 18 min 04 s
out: 12 h 13 min 28 s
